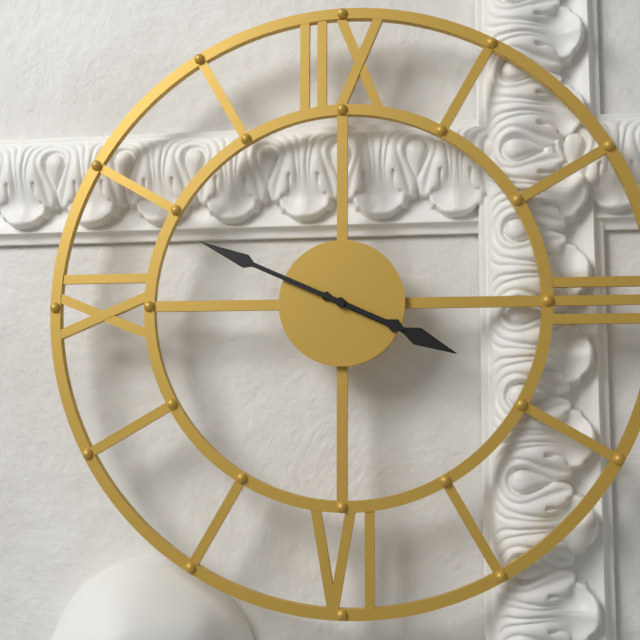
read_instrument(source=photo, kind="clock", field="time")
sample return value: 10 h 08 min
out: 3 h 49 min
